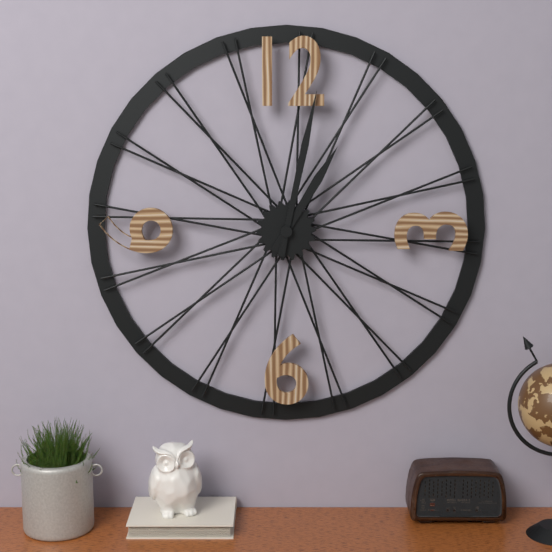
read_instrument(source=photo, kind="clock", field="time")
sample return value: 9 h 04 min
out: 1 h 02 min
